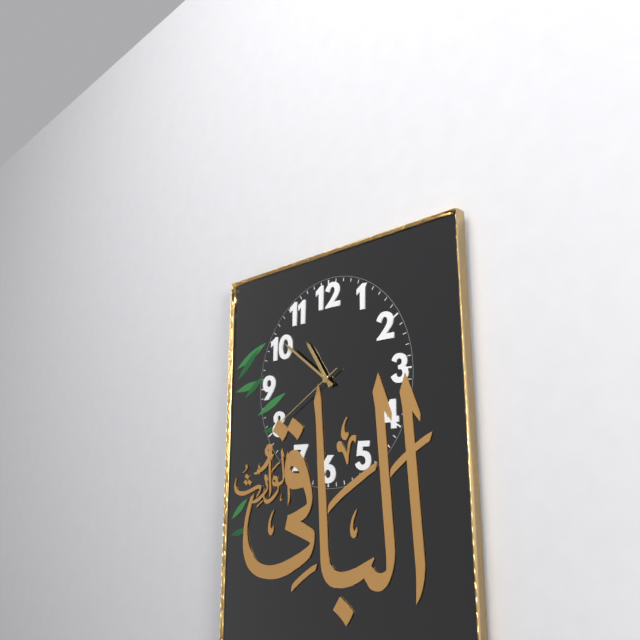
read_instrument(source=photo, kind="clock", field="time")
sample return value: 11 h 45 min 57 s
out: 10 h 51 min 40 s
